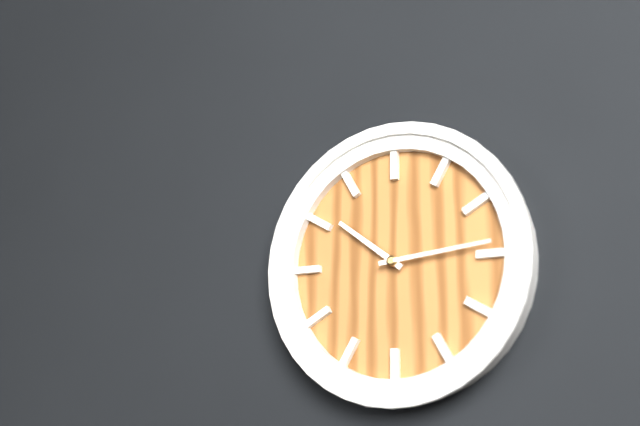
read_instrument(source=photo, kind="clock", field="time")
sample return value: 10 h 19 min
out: 10 h 14 min
